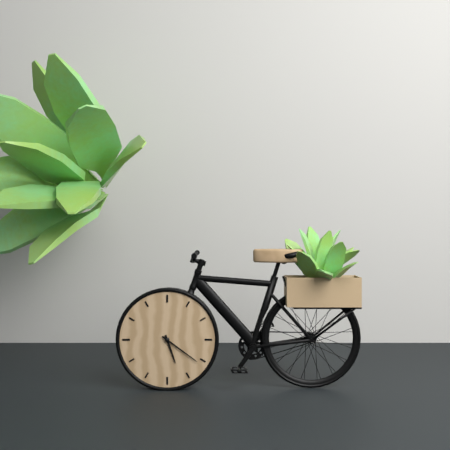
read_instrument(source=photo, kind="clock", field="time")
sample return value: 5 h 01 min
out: 5 h 21 min
